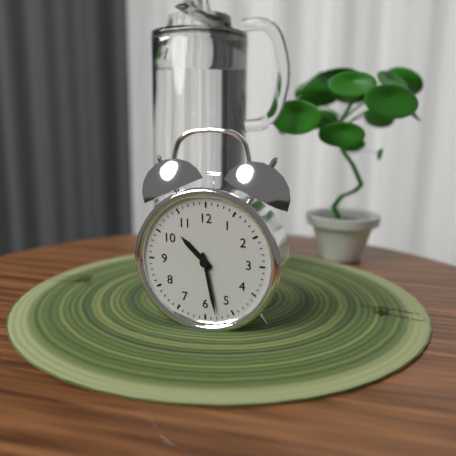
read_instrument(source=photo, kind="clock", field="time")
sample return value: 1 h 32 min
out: 10 h 28 min
